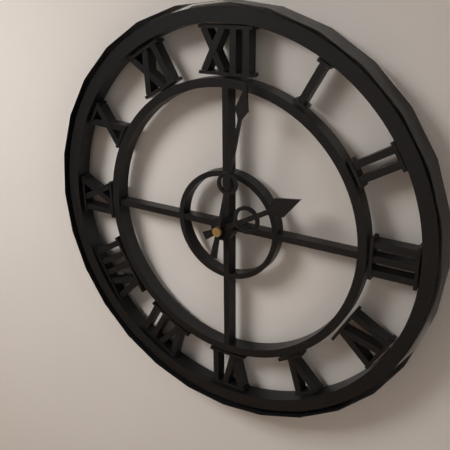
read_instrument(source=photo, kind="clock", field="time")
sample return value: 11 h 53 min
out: 2 h 02 min
